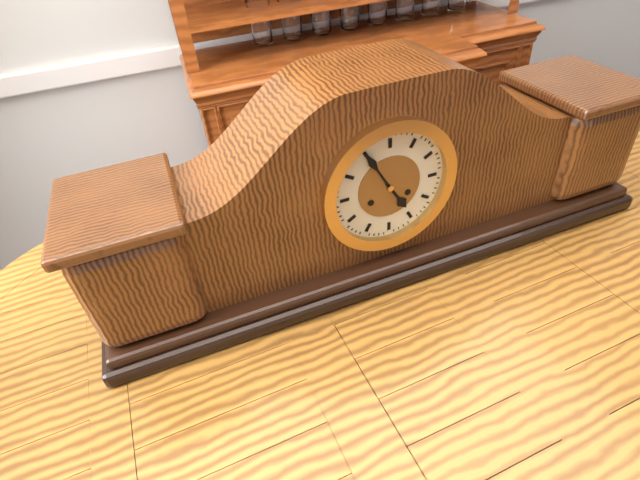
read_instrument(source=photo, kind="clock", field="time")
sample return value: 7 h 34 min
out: 4 h 55 min
